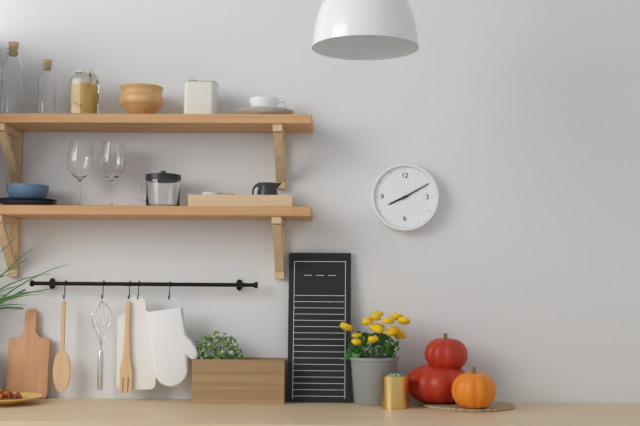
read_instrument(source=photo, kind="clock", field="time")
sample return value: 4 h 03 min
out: 8 h 10 min
